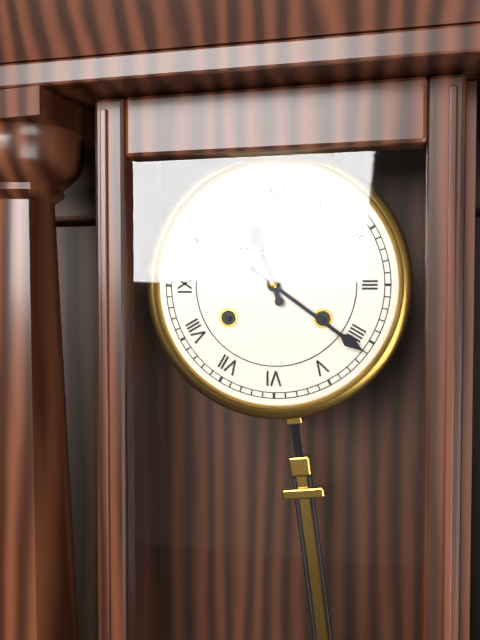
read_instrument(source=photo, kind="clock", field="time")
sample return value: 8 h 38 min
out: 11 h 21 min
